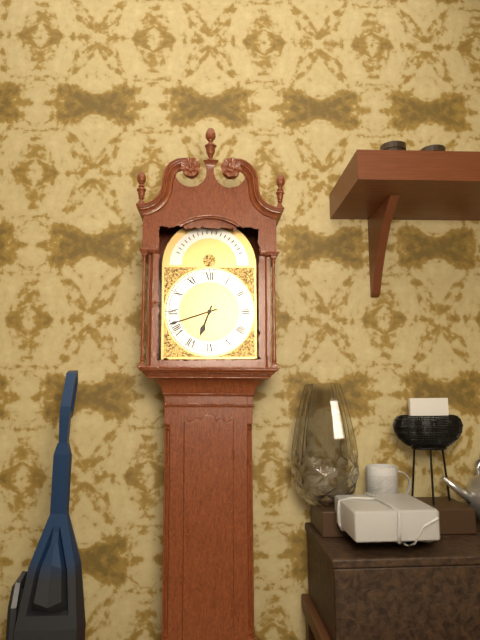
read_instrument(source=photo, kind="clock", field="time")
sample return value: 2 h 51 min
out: 6 h 42 min
